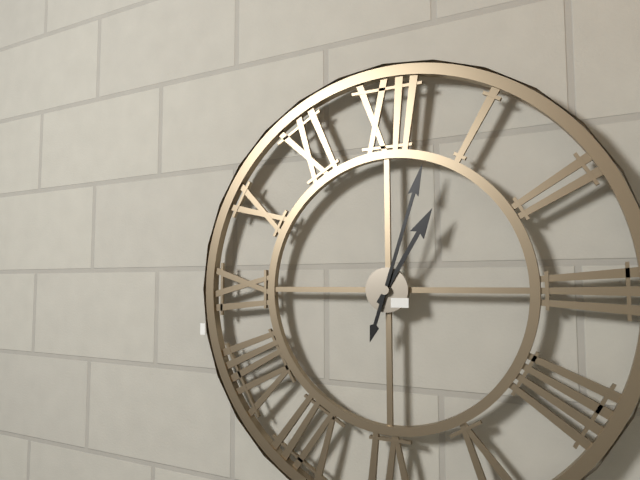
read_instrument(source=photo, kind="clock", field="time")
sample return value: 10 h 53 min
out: 1 h 03 min
